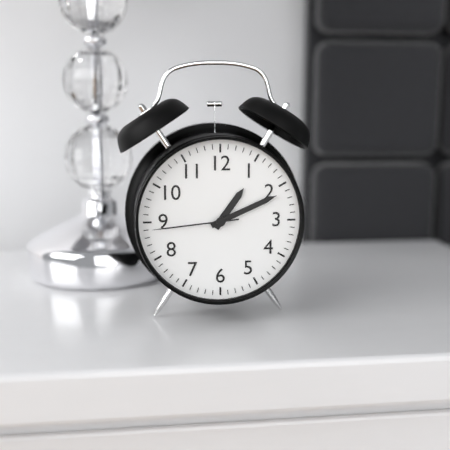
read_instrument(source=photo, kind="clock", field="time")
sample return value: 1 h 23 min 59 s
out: 1 h 11 min 44 s
